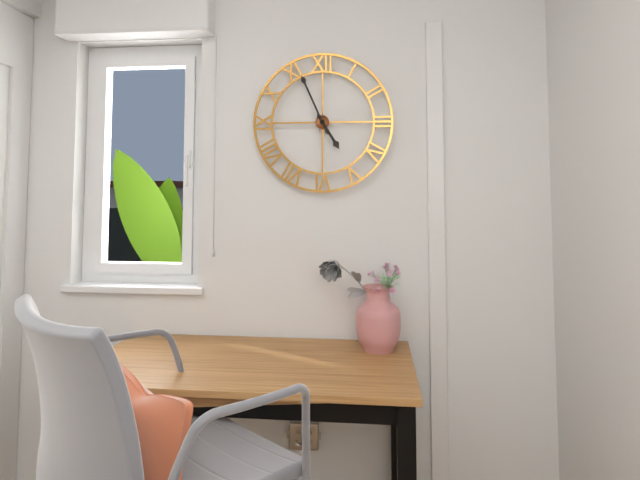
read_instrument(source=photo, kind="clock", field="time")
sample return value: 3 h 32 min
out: 4 h 56 min
